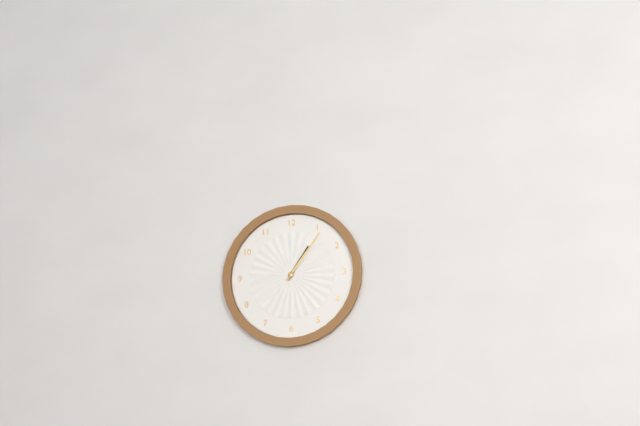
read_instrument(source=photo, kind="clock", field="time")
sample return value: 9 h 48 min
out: 1 h 06 min
